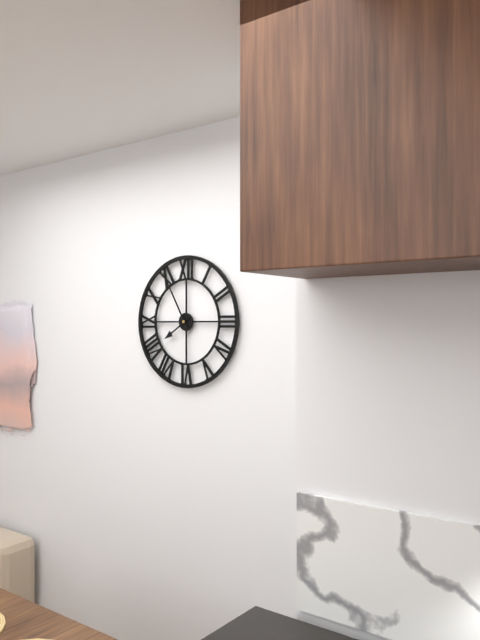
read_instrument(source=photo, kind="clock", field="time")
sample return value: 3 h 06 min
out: 7 h 55 min
